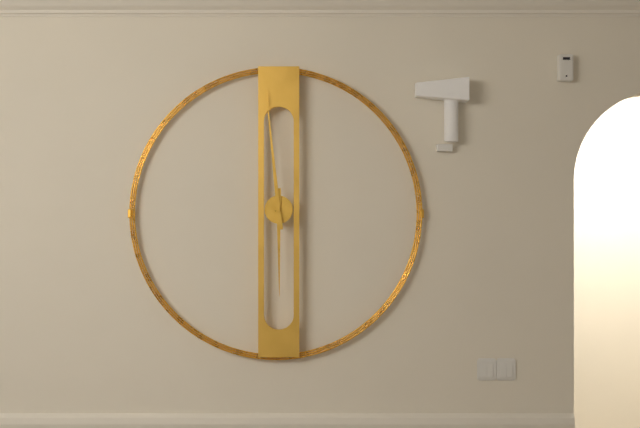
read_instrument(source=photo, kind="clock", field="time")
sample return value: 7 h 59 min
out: 5 h 59 min
